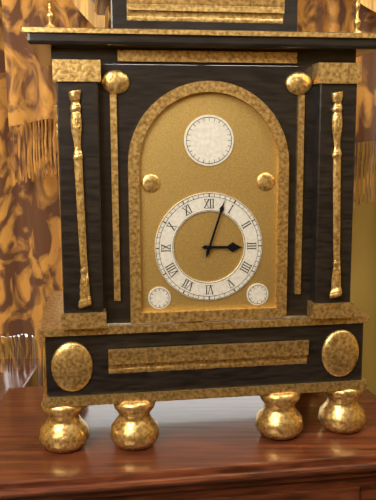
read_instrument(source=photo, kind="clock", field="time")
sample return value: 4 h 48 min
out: 3 h 03 min
